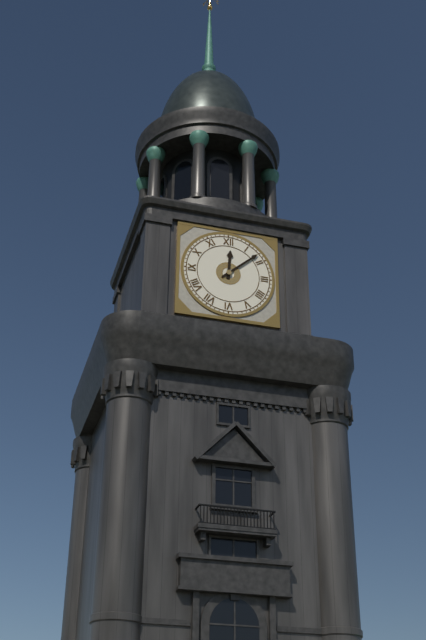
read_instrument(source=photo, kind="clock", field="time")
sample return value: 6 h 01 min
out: 12 h 08 min
